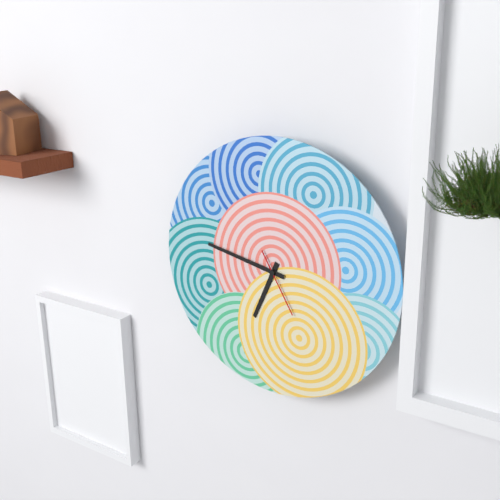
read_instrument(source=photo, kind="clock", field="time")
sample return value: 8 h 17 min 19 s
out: 6 h 47 min 25 s
